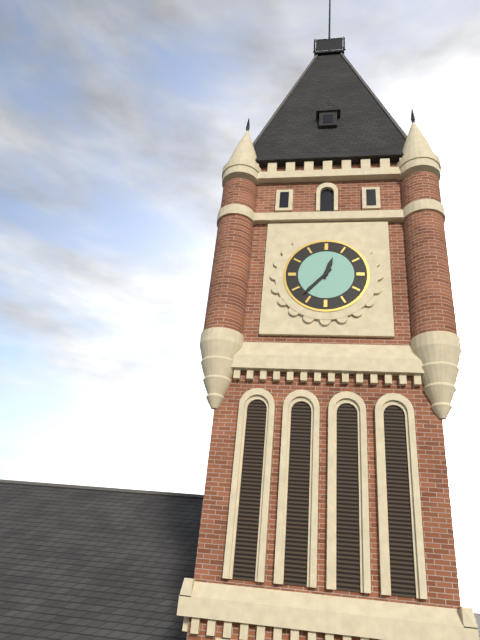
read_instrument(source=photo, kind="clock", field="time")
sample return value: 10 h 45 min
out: 12 h 37 min
